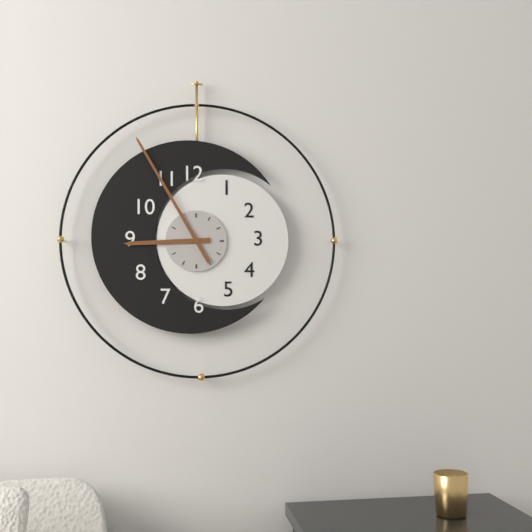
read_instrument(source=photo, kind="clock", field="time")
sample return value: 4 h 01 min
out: 8 h 55 min
